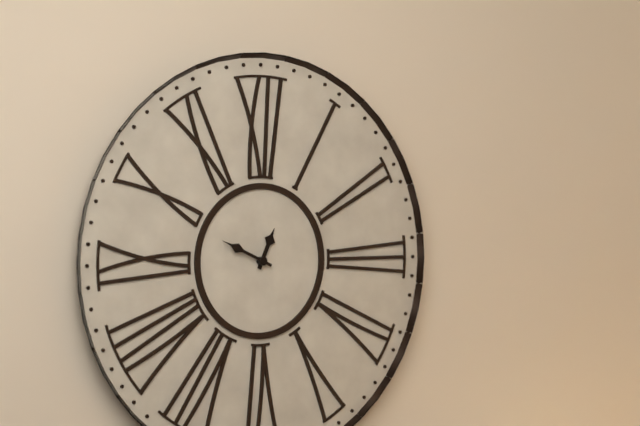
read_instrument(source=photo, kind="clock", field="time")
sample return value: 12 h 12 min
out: 12 h 49 min
